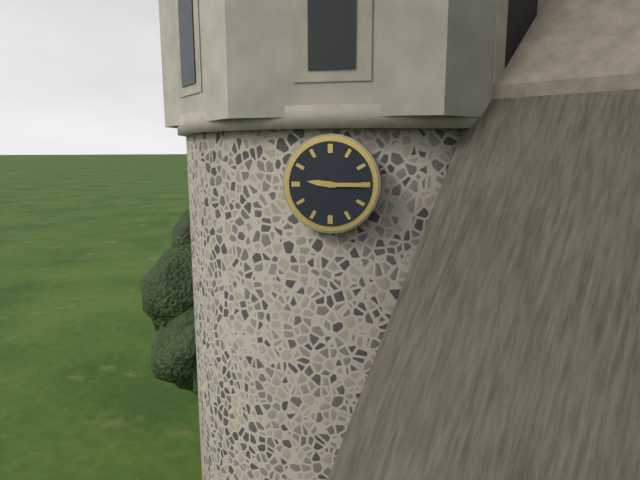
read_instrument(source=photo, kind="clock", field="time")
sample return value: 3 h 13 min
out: 9 h 15 min
